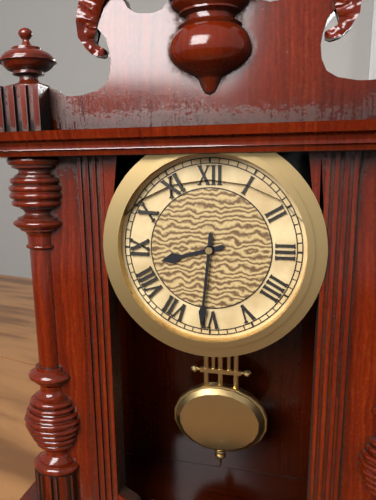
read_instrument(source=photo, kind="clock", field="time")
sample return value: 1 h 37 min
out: 8 h 31 min
